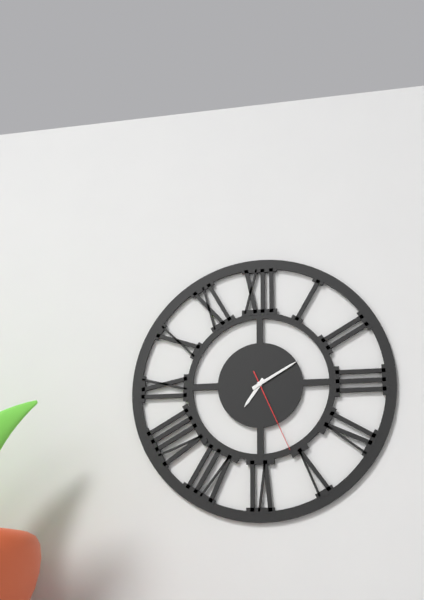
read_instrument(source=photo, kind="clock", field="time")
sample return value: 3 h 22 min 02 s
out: 7 h 10 min 26 s
